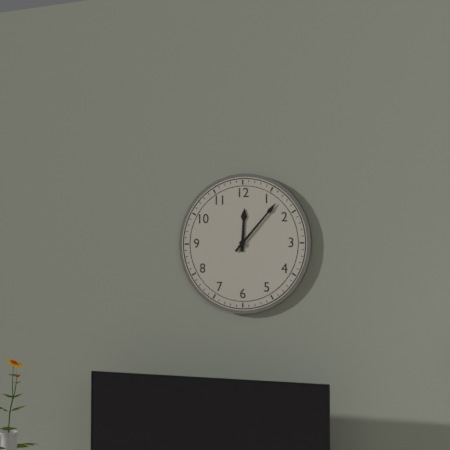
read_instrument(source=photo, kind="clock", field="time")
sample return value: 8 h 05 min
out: 12 h 07 min
